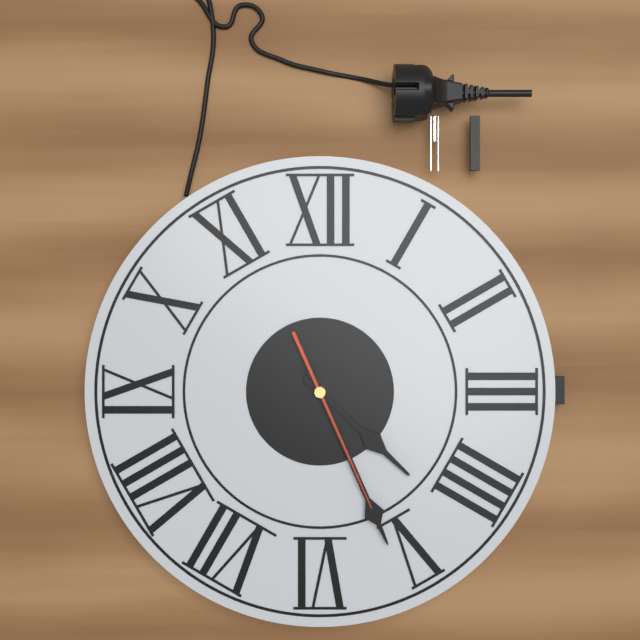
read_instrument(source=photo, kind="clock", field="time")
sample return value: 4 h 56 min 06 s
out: 4 h 26 min 26 s
